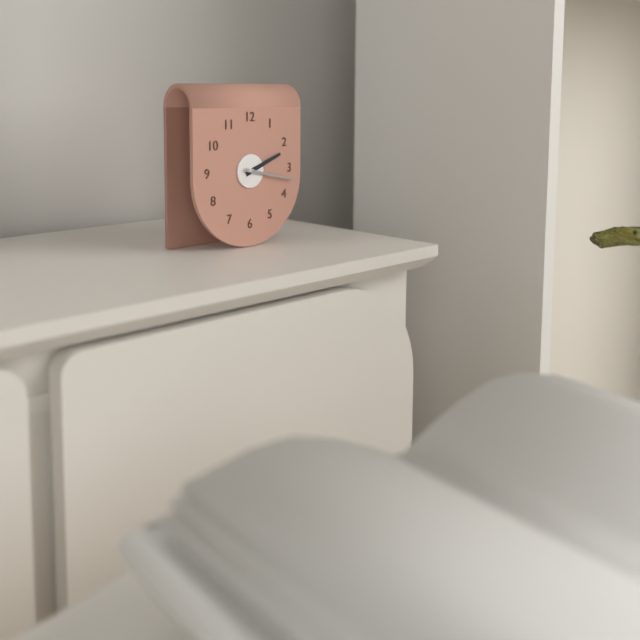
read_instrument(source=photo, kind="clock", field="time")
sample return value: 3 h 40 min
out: 2 h 17 min
